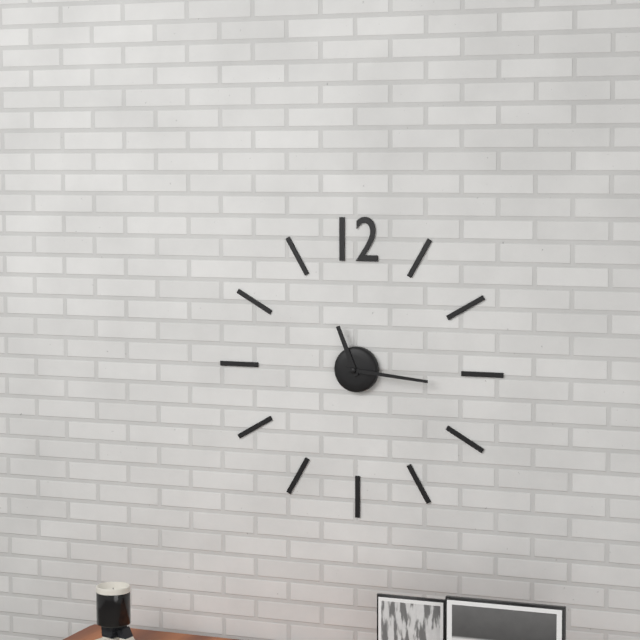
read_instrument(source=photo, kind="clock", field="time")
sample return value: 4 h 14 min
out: 11 h 16 min
